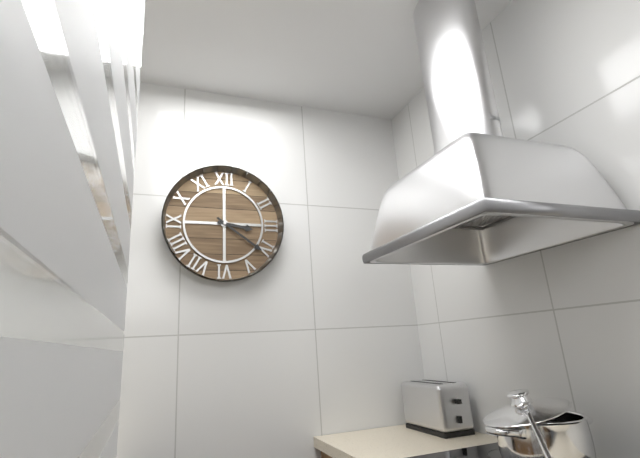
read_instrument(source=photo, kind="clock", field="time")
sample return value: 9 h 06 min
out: 3 h 21 min
